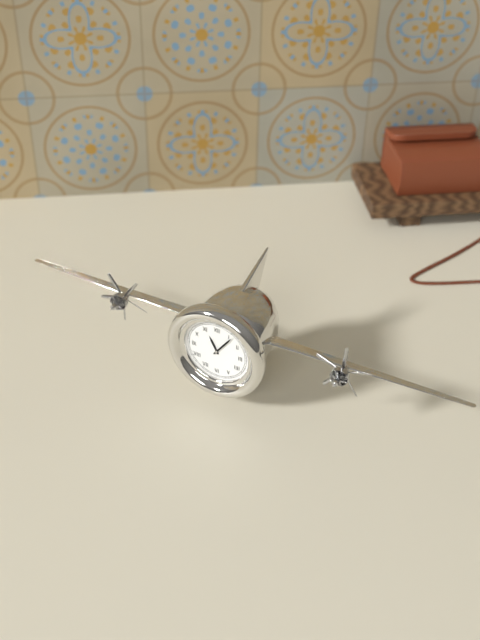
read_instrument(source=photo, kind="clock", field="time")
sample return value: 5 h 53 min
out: 11 h 06 min
